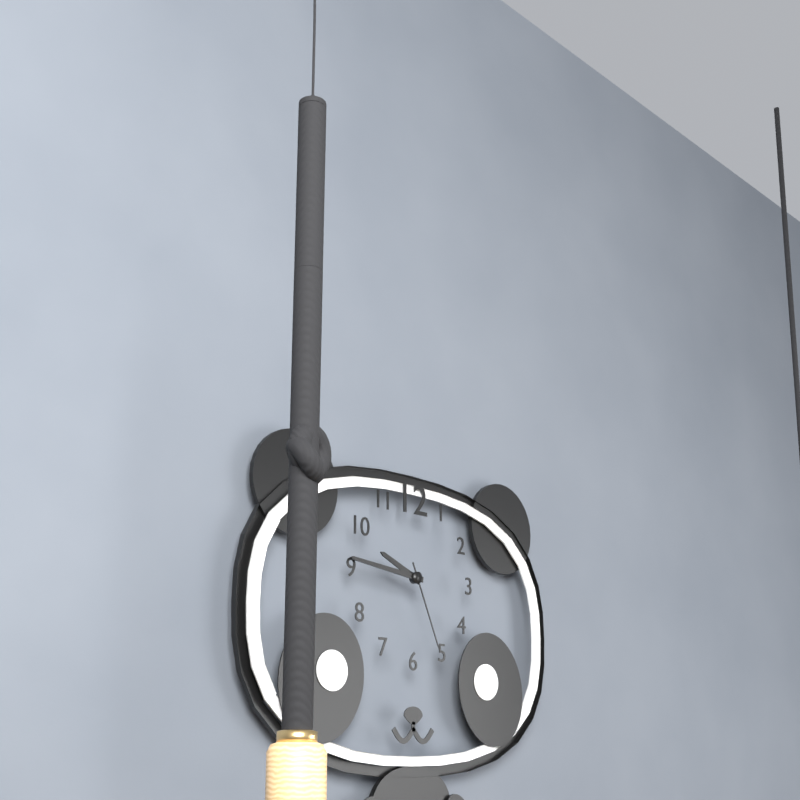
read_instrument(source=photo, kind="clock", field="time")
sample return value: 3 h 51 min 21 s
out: 9 h 46 min 26 s
